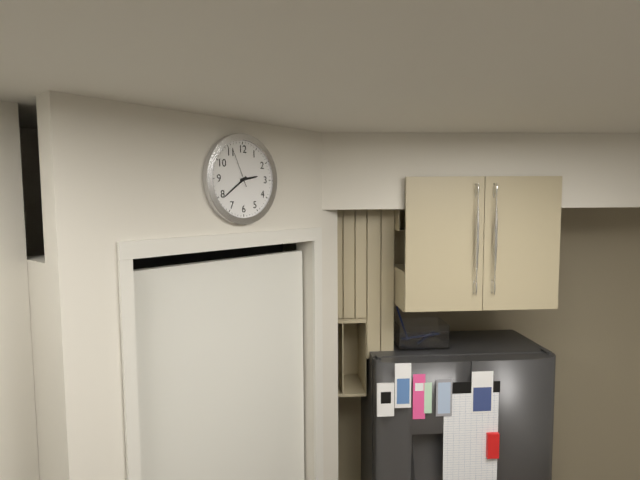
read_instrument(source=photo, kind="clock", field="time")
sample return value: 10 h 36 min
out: 2 h 39 min
